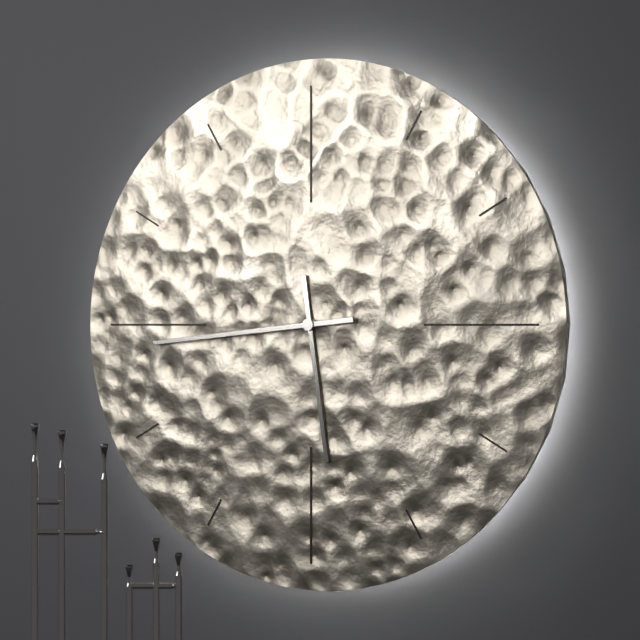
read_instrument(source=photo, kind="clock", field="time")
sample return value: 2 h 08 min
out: 5 h 44 min
